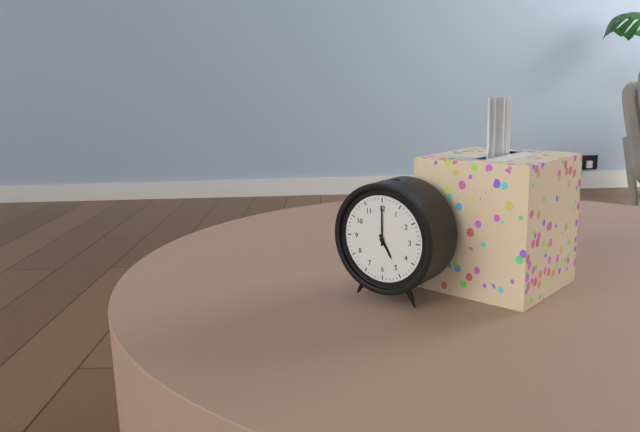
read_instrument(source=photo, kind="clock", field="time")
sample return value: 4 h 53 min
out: 5 h 00 min
